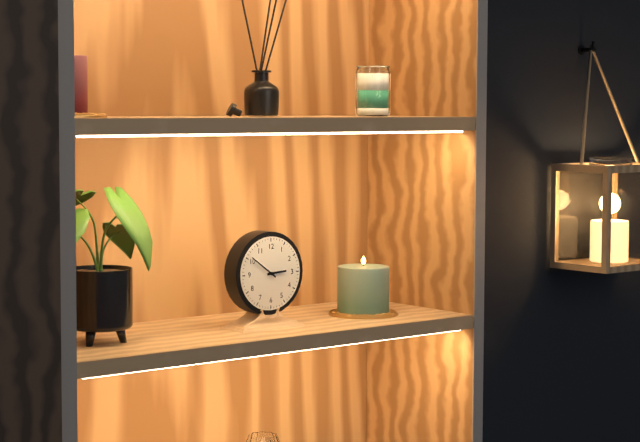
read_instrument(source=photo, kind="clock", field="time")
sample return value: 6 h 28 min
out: 2 h 51 min
